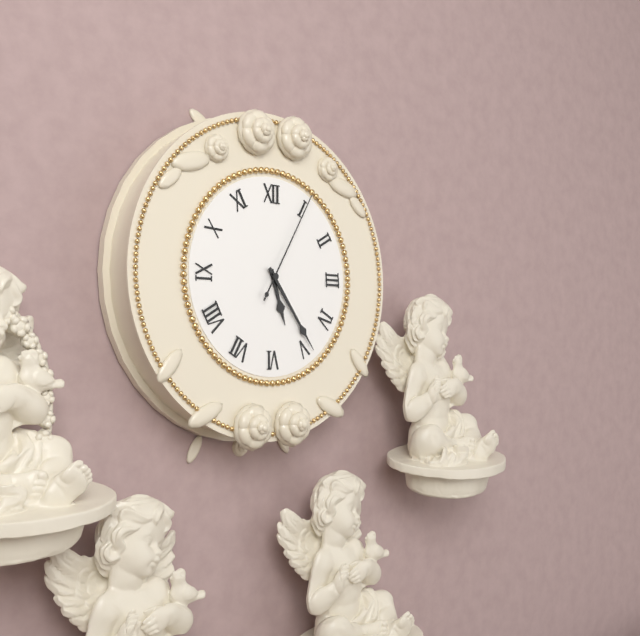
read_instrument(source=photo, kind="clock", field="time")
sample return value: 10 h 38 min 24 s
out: 5 h 24 min 05 s
